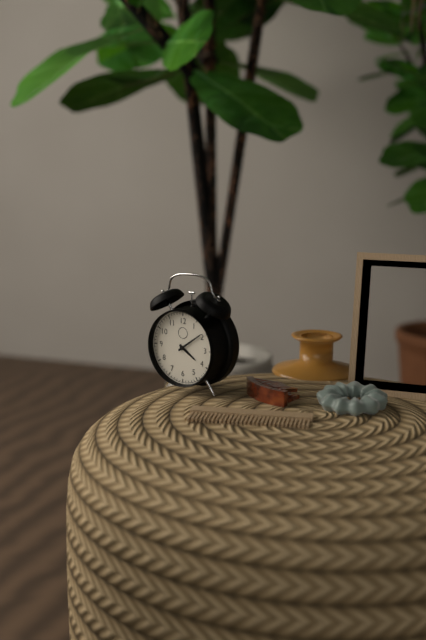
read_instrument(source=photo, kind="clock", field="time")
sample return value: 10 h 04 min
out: 4 h 09 min
